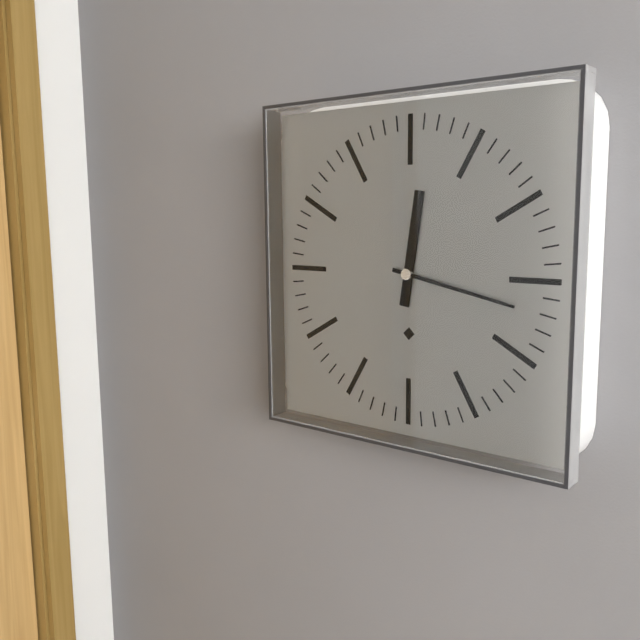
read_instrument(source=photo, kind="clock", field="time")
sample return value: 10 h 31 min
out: 12 h 17 min
